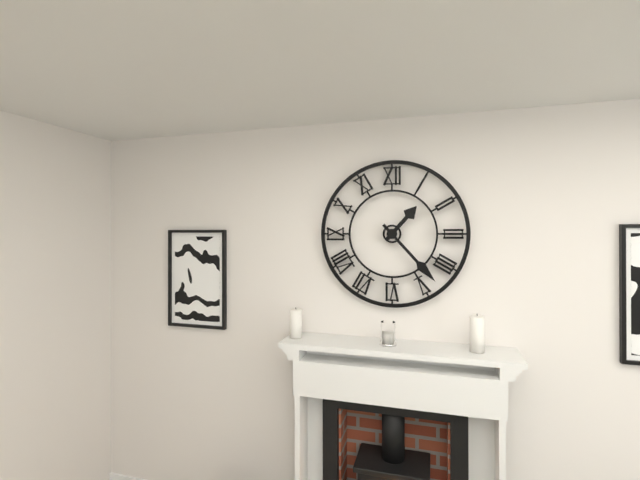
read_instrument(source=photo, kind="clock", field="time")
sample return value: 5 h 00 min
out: 1 h 23 min
